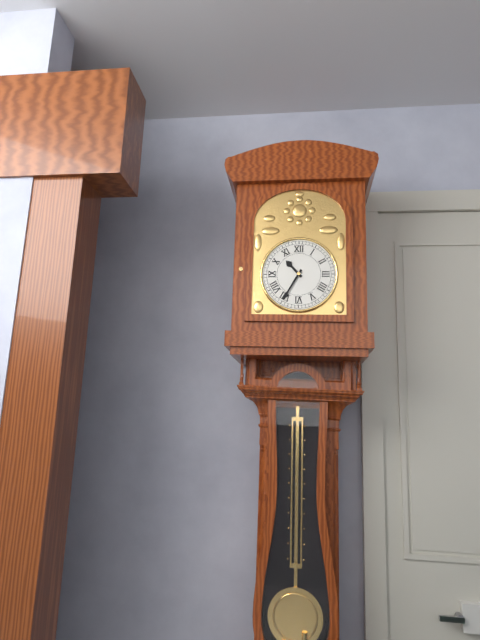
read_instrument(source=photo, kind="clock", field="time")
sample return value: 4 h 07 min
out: 10 h 35 min
